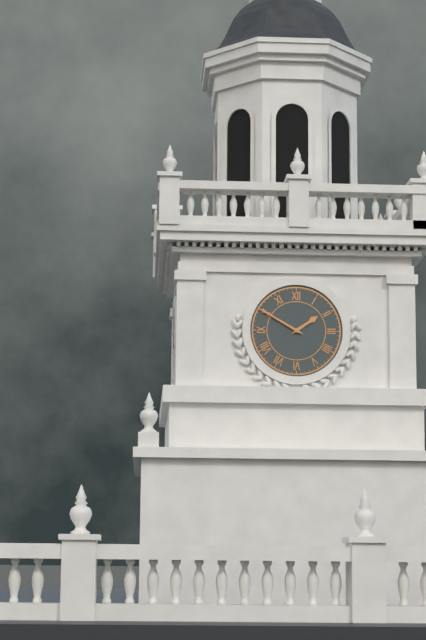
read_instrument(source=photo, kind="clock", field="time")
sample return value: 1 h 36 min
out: 1 h 50 min
